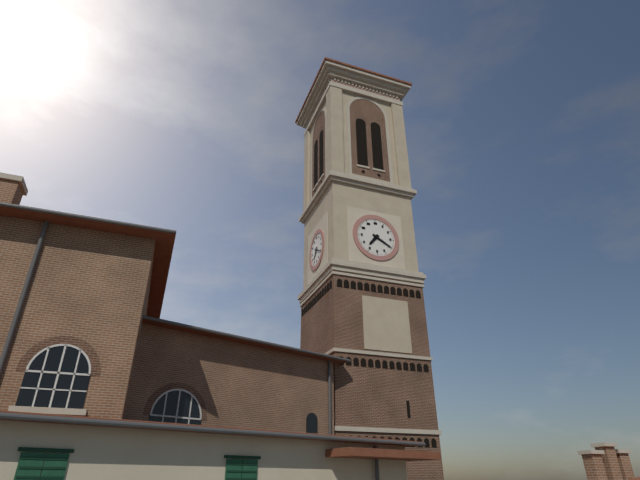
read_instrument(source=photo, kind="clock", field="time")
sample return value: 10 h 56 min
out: 7 h 20 min
